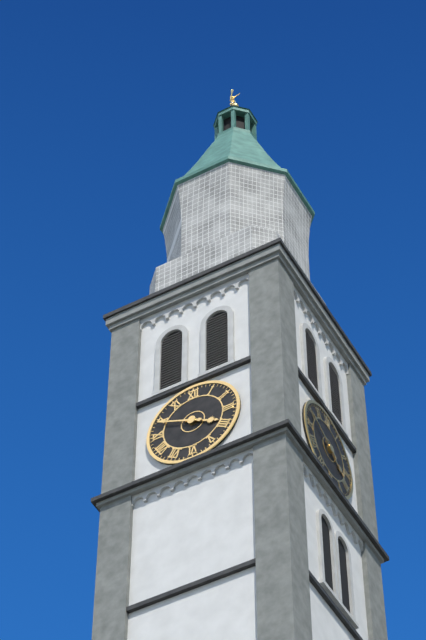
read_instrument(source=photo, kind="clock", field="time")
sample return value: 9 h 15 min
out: 3 h 49 min
